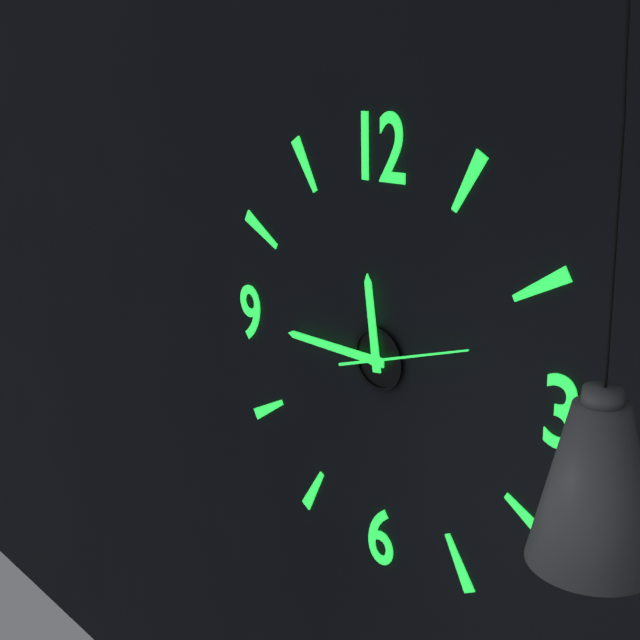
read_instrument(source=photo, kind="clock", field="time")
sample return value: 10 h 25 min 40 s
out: 11 h 45 min 12 s
